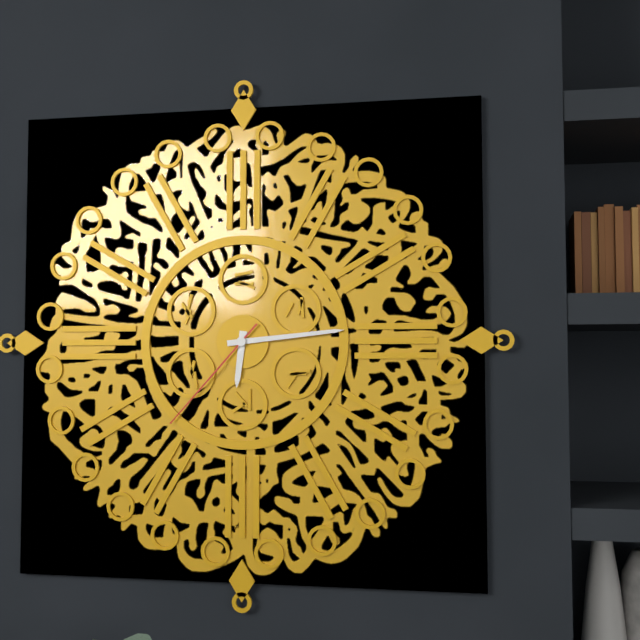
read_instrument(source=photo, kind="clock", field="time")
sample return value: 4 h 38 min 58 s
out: 6 h 14 min 37 s
